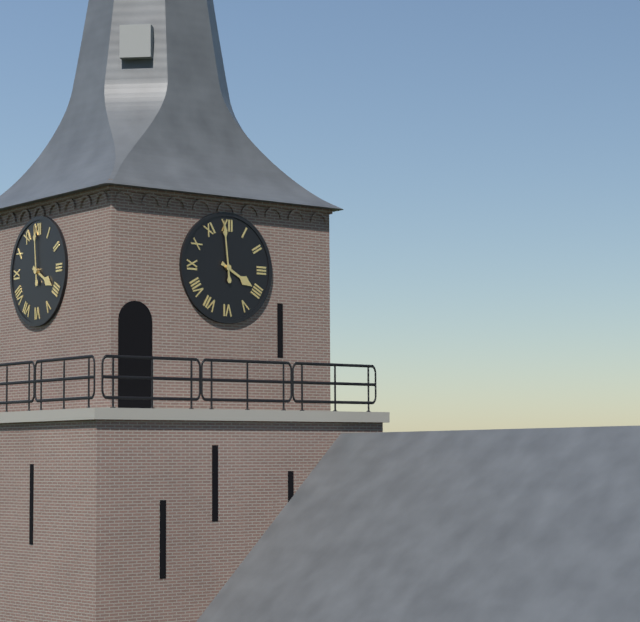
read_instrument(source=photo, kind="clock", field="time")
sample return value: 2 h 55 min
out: 3 h 59 min
